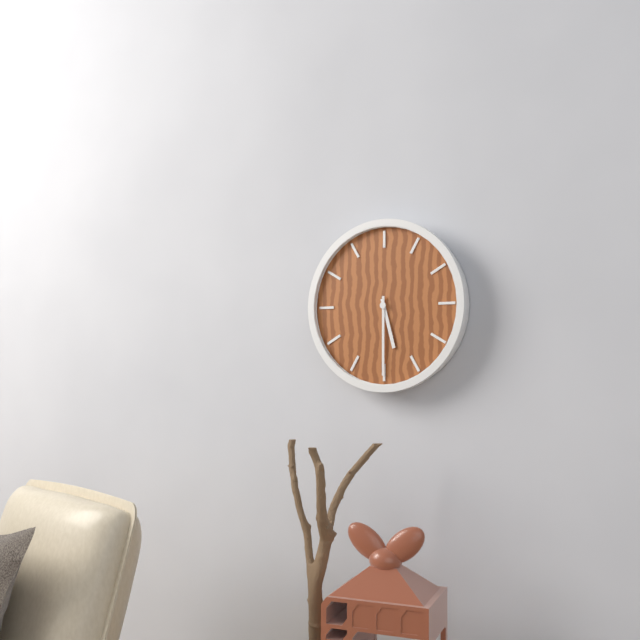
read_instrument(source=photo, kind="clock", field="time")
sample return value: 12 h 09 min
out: 5 h 30 min
